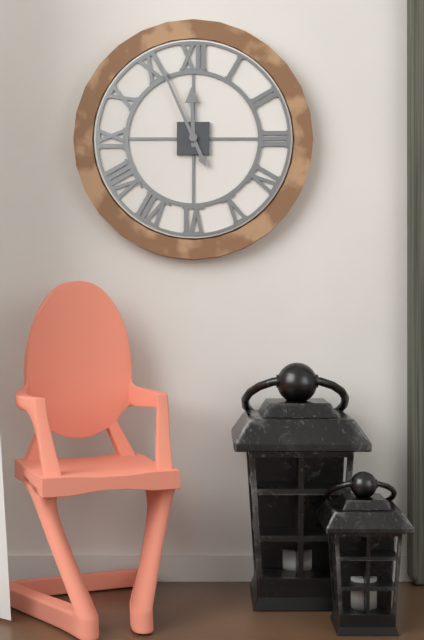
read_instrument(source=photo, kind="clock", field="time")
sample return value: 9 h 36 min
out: 11 h 56 min
